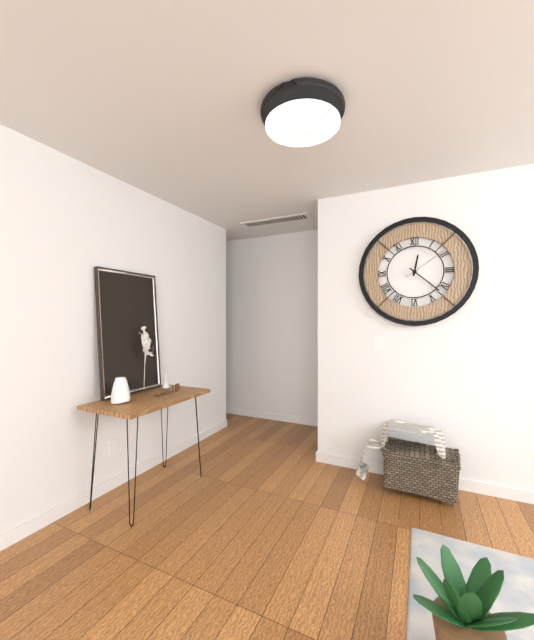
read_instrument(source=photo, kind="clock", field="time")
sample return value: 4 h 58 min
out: 12 h 22 min
